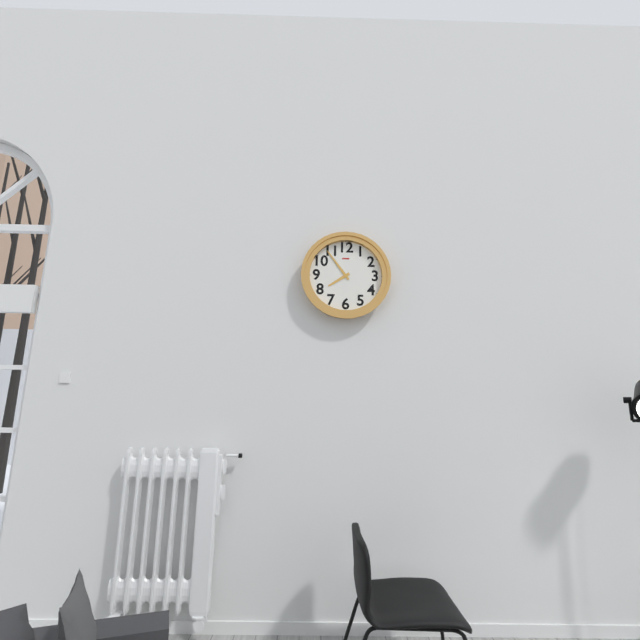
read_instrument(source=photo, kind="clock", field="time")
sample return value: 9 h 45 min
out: 7 h 54 min
